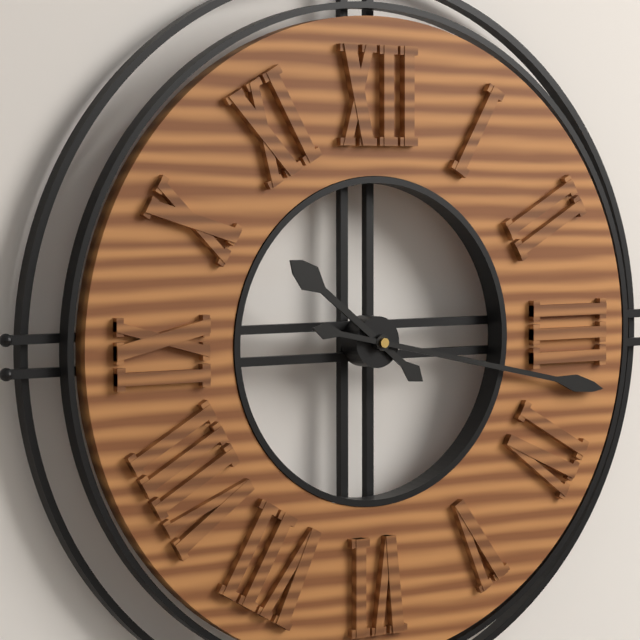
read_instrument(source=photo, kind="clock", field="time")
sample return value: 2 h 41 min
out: 10 h 17 min
